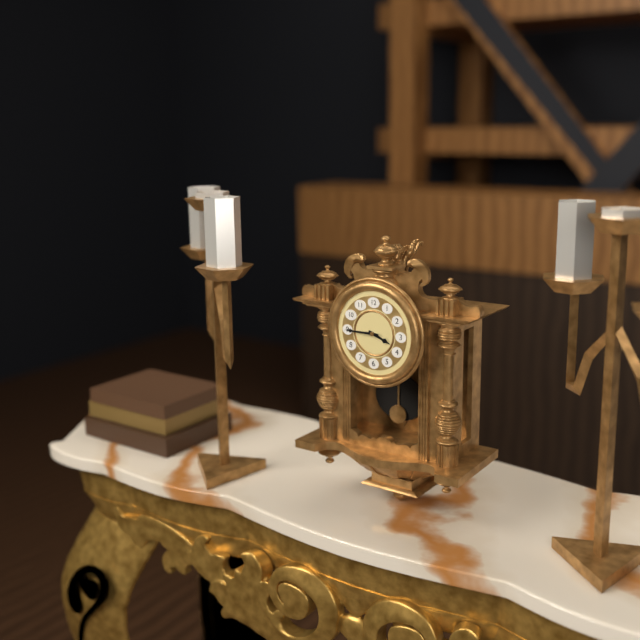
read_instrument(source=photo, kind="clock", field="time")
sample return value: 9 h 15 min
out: 3 h 45 min
